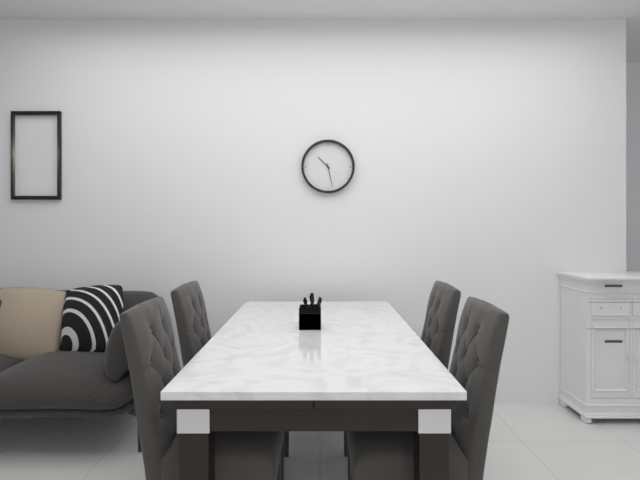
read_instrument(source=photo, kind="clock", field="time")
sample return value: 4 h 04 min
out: 10 h 28 min
